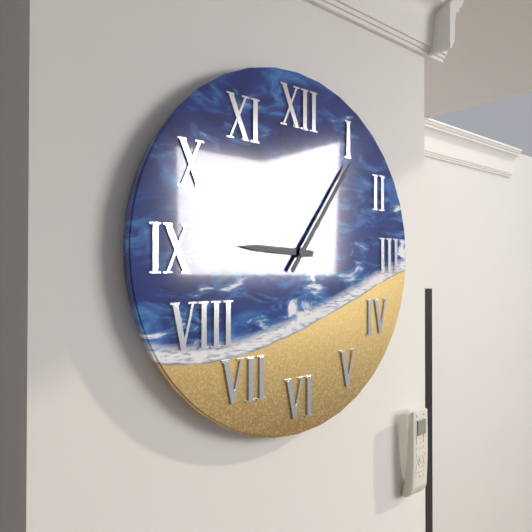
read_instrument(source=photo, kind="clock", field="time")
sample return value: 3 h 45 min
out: 9 h 06 min
